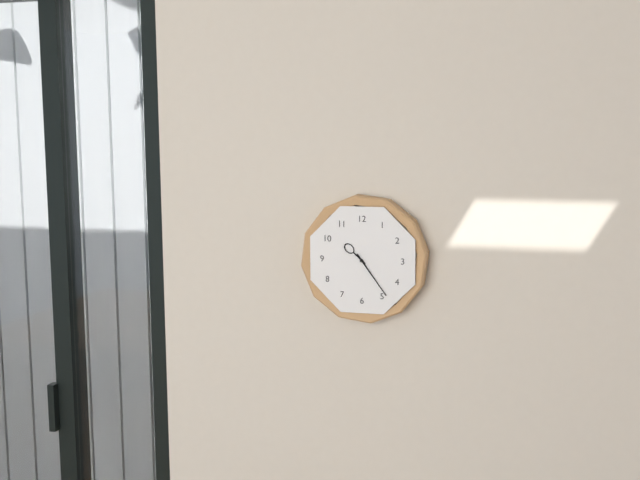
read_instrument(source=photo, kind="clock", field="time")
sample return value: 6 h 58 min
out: 10 h 24 min
